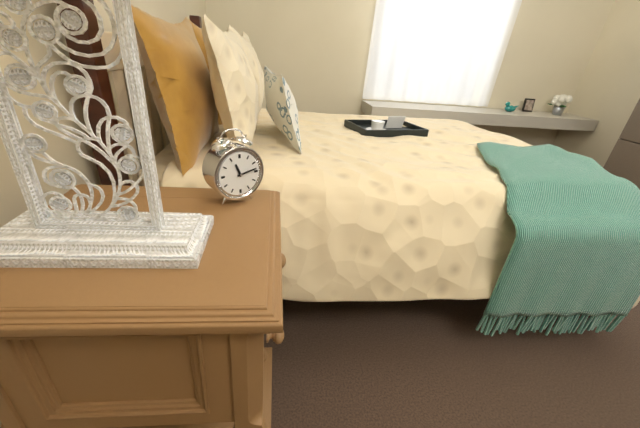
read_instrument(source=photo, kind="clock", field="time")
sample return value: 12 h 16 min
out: 11 h 13 min
